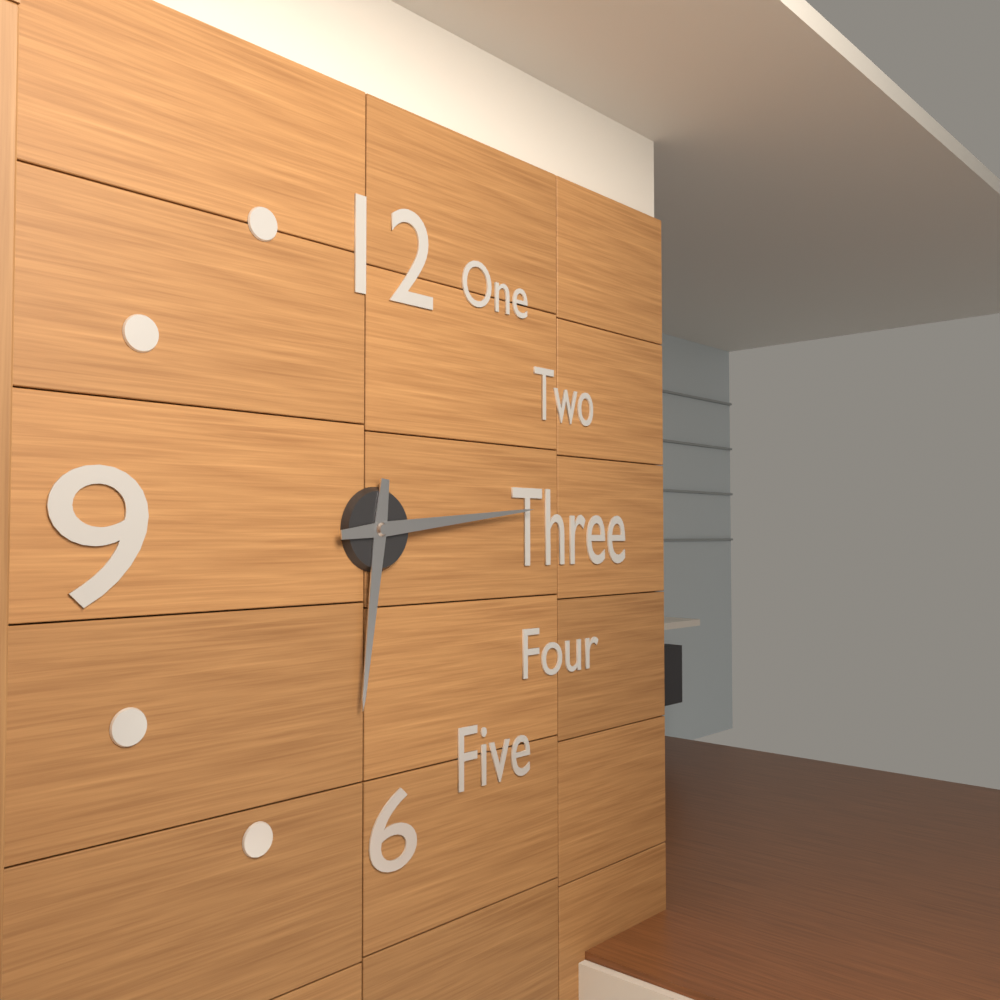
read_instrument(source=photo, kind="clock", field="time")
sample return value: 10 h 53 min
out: 6 h 14 min
